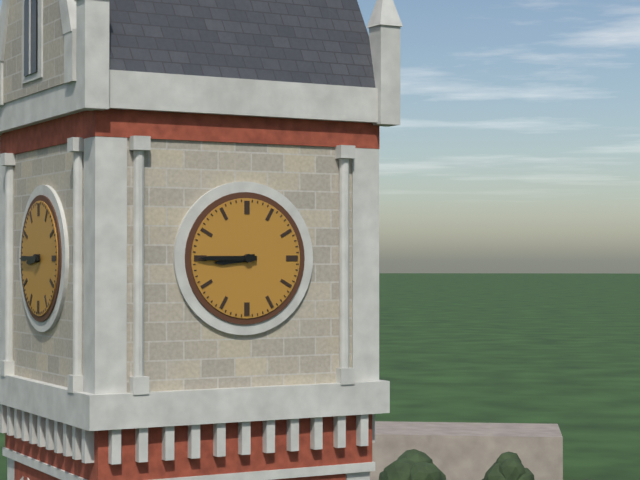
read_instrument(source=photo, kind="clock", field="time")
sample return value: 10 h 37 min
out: 8 h 45 min
